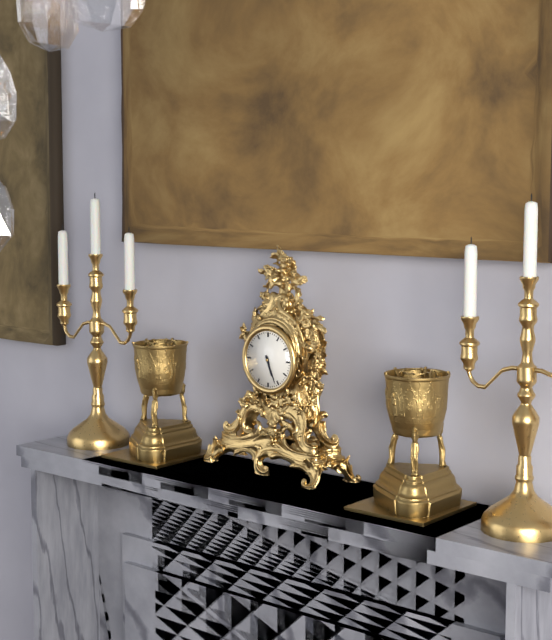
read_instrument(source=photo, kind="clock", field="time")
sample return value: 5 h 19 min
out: 5 h 26 min
